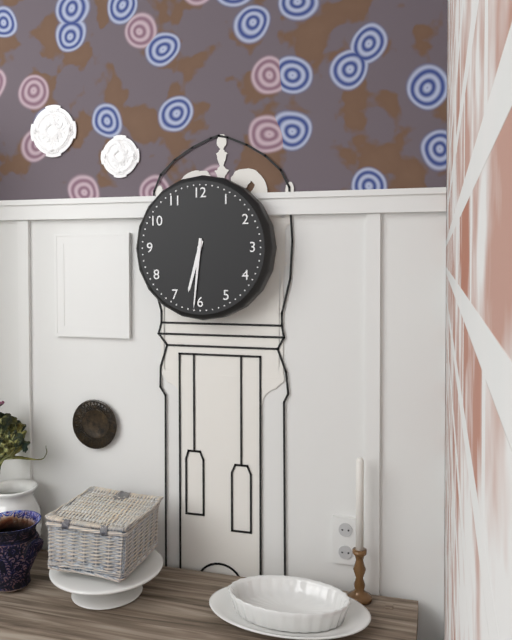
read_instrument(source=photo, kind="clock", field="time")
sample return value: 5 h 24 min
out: 6 h 31 min
